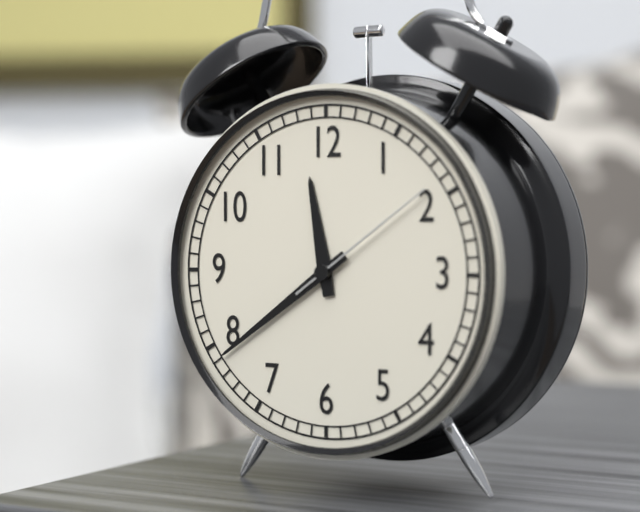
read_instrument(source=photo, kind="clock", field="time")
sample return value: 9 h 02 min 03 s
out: 11 h 39 min 09 s
